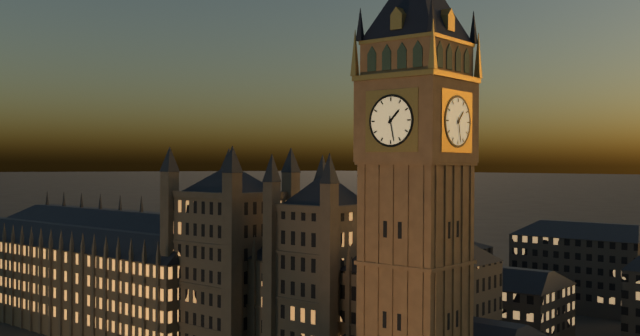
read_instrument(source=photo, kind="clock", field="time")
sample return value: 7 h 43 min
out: 1 h 28 min
